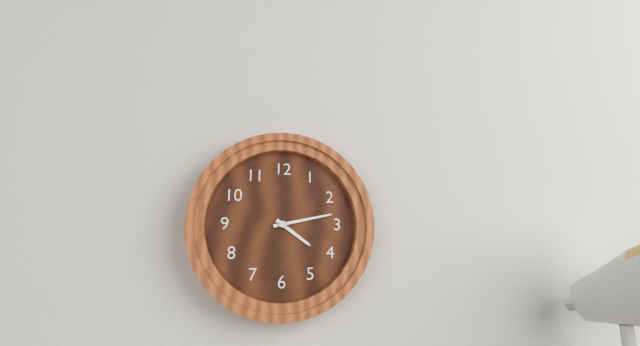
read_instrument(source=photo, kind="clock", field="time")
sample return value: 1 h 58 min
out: 4 h 13 min
